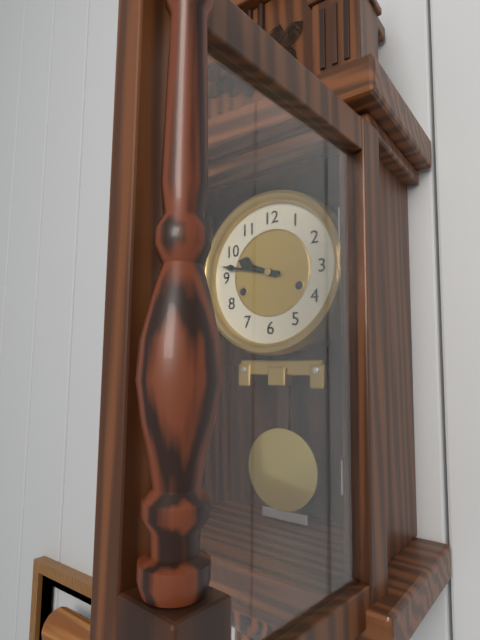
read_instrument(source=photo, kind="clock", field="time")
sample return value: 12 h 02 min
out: 9 h 47 min
